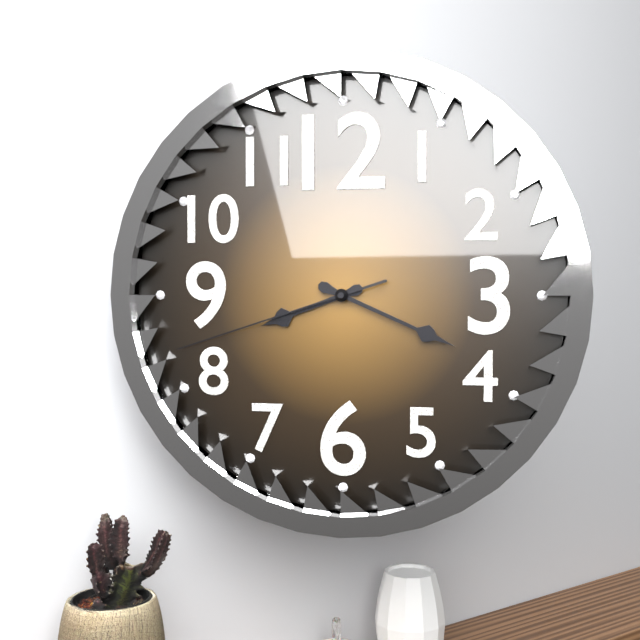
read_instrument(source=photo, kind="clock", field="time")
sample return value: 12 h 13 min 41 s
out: 8 h 19 min 42 s
